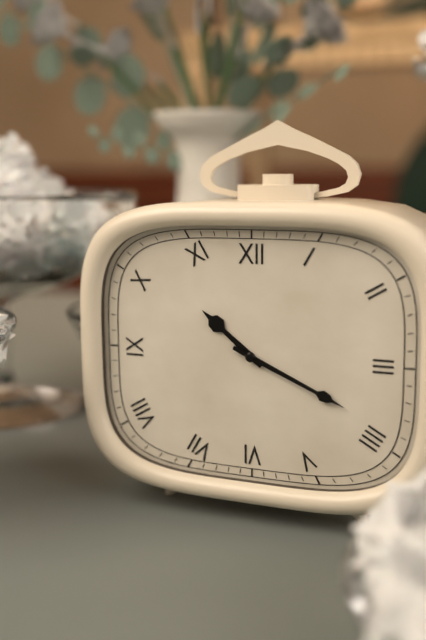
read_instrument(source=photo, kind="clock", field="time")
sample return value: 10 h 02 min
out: 10 h 19 min
